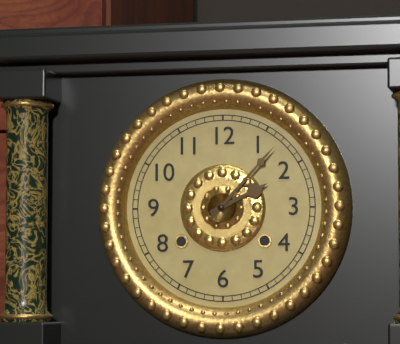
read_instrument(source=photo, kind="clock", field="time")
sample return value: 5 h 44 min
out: 2 h 07 min
